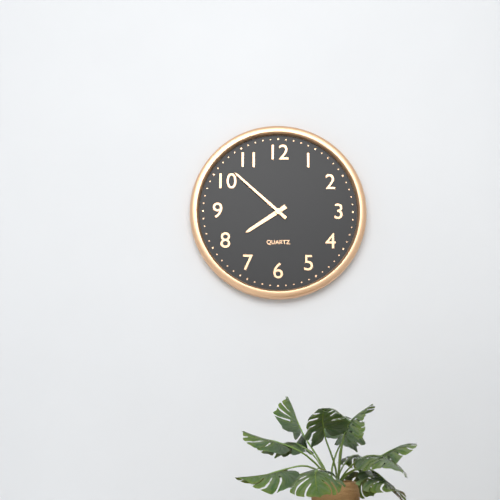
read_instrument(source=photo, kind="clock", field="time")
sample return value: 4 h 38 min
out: 7 h 52 min
